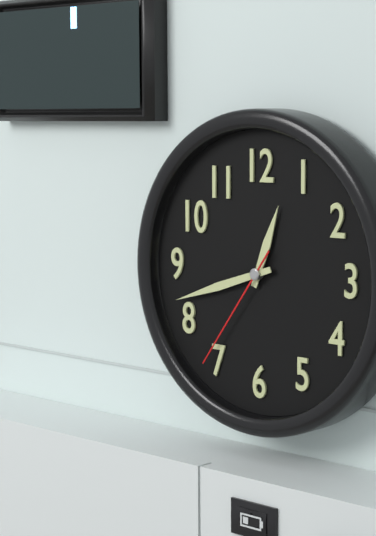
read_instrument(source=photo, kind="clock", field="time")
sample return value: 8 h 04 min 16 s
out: 12 h 42 min 36 s
